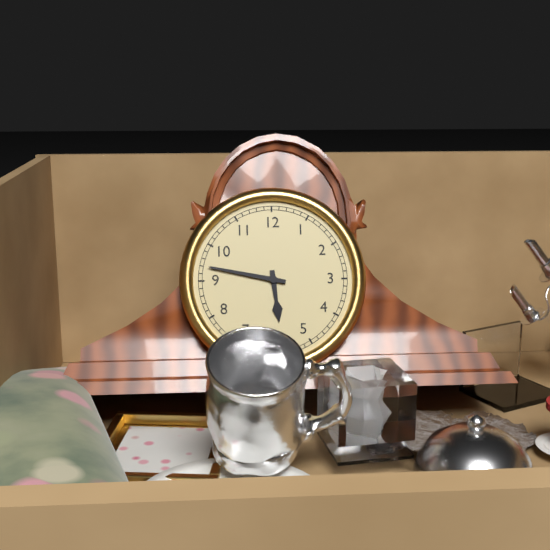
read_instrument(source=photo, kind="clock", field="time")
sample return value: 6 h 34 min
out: 5 h 47 min
